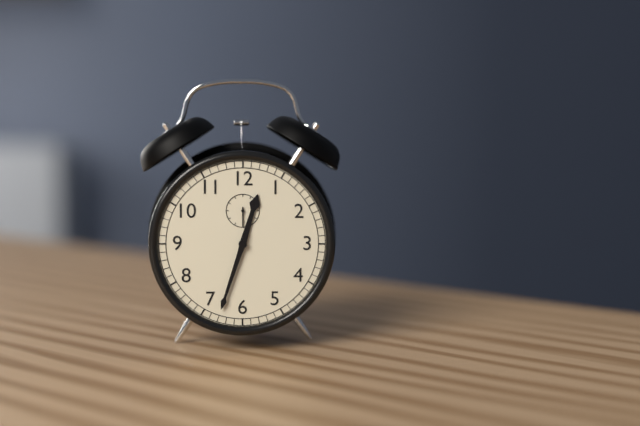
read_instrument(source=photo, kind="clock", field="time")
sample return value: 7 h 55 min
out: 12 h 33 min
